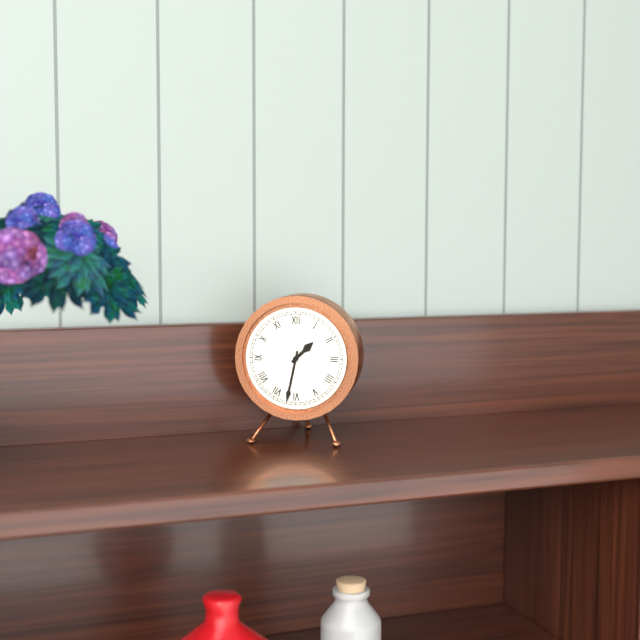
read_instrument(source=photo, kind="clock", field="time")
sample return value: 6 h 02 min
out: 1 h 32 min
